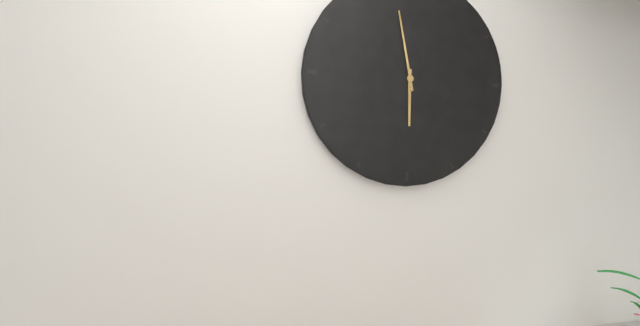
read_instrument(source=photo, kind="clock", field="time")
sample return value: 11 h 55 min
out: 5 h 58 min
